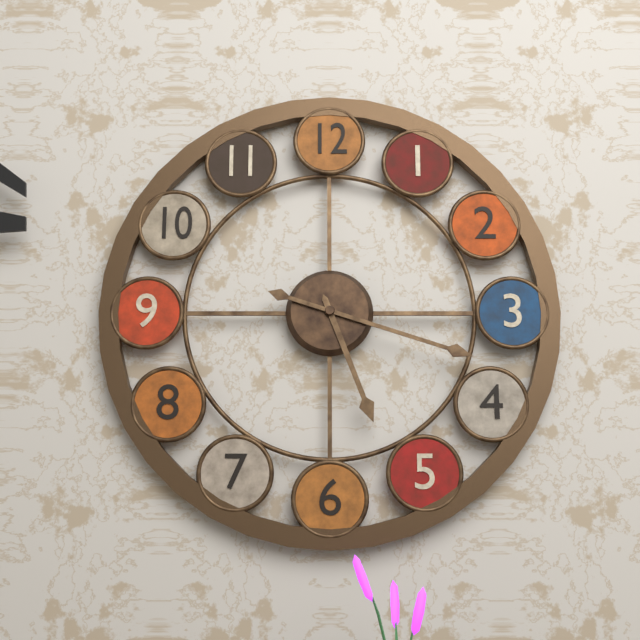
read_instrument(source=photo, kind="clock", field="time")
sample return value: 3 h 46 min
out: 5 h 18 min
